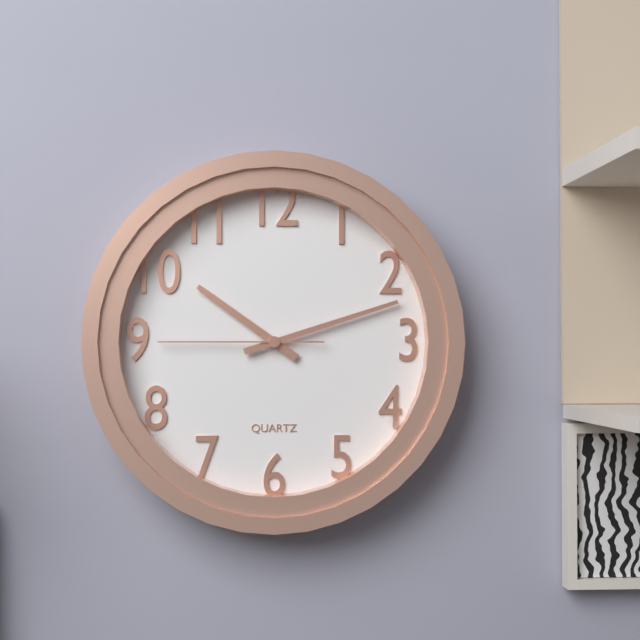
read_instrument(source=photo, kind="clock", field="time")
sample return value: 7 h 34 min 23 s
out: 10 h 12 min 45 s
